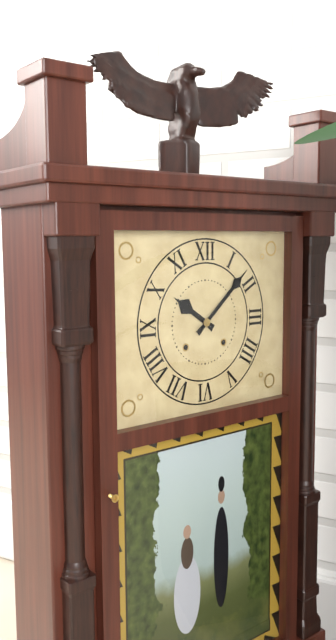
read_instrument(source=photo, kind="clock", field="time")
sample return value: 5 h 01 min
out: 10 h 08 min
